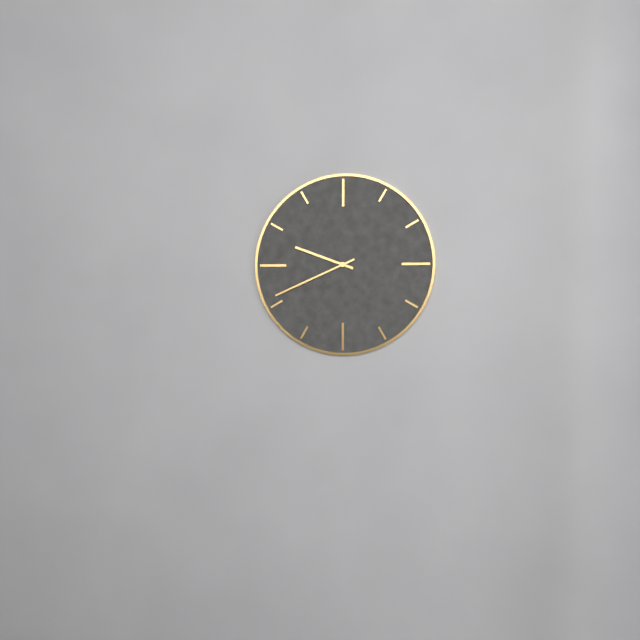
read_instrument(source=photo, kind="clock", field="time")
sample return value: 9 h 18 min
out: 9 h 41 min
